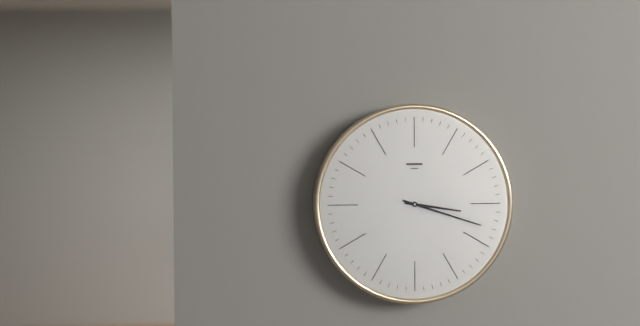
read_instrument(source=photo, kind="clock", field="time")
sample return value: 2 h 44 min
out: 3 h 18 min
